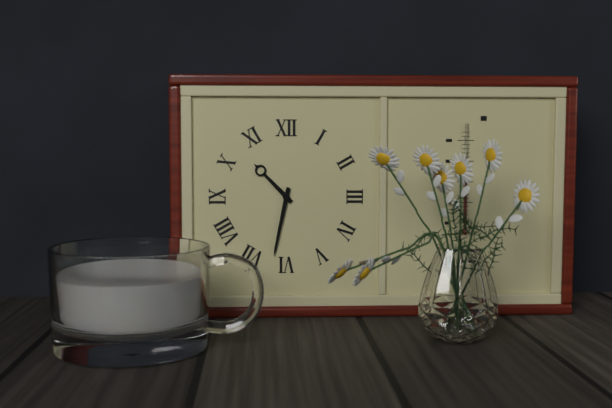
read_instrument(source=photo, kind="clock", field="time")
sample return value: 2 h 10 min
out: 10 h 32 min
